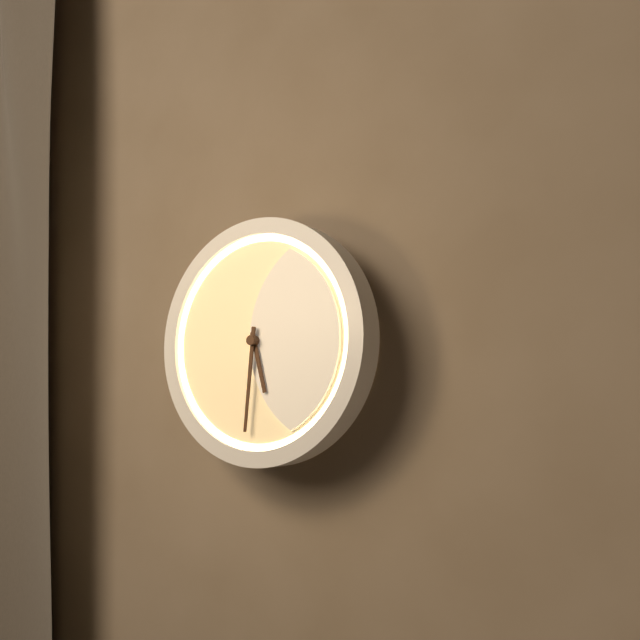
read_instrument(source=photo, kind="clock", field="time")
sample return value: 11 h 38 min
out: 5 h 31 min
